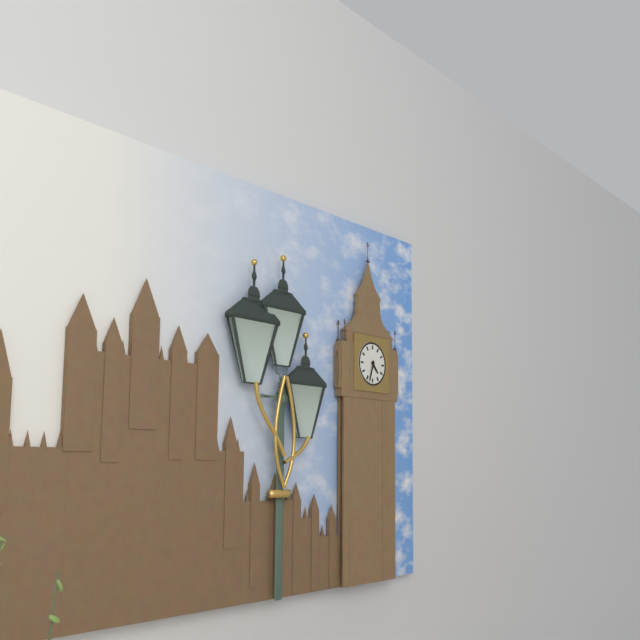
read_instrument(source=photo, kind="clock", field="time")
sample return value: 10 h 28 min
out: 4 h 33 min
